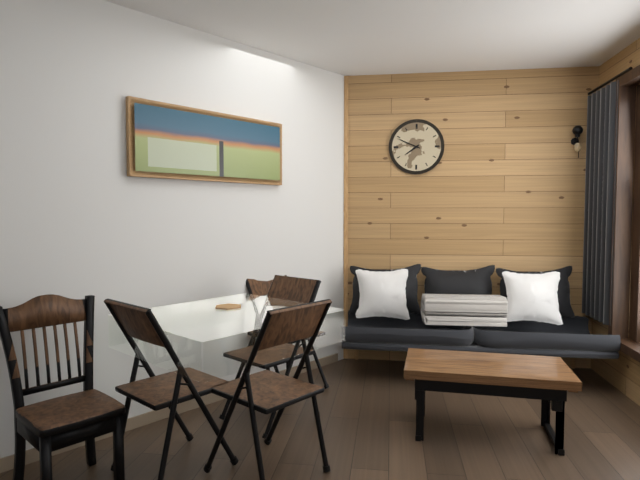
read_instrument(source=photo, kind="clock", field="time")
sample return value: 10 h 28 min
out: 7 h 49 min
